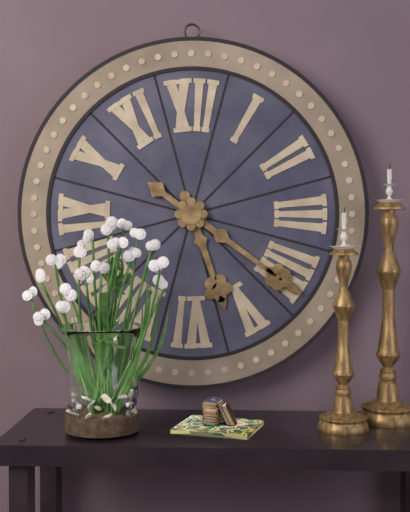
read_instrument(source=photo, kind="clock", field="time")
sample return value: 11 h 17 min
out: 5 h 21 min
